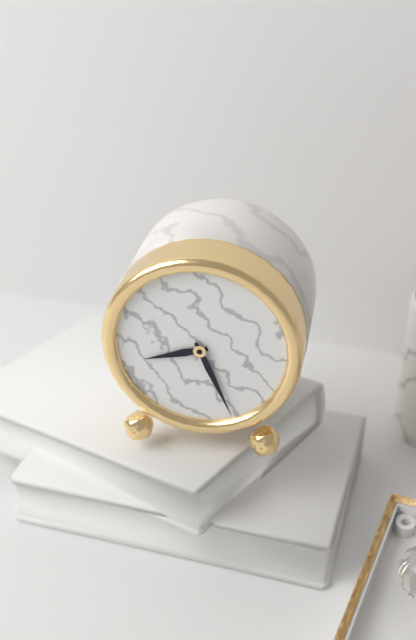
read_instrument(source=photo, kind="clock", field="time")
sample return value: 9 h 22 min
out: 8 h 26 min
